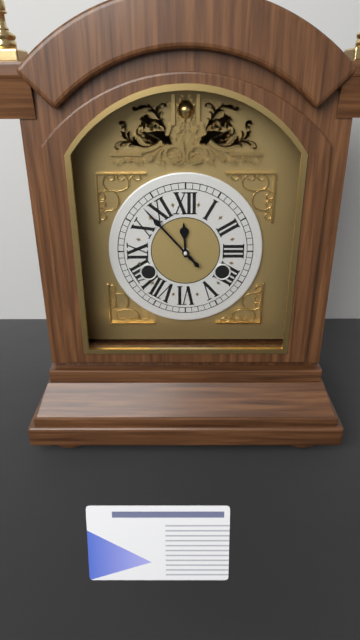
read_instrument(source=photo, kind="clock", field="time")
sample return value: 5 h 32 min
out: 11 h 53 min
